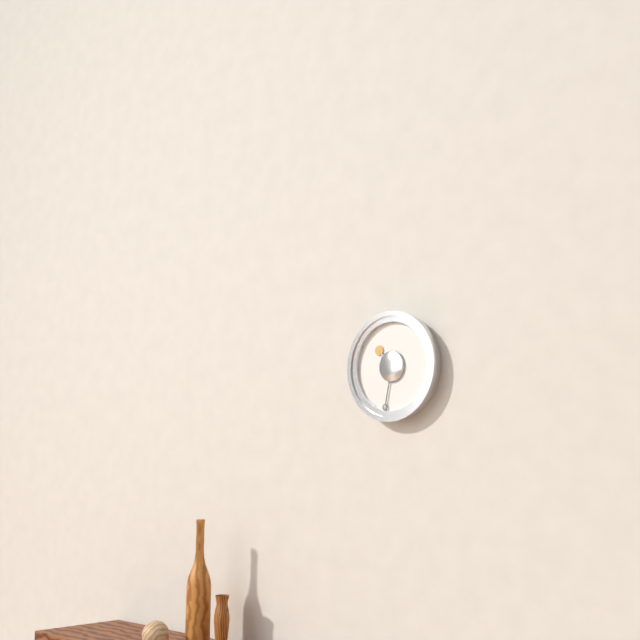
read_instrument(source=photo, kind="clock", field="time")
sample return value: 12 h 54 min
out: 10 h 32 min
